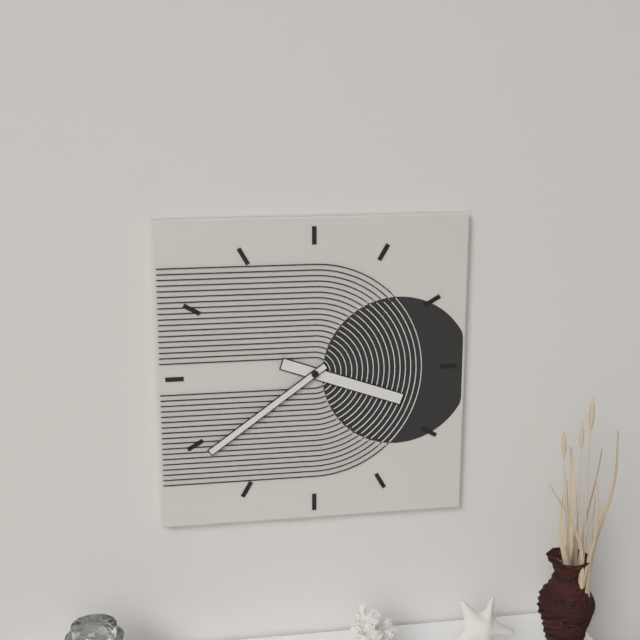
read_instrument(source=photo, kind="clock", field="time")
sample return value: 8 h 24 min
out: 3 h 39 min
